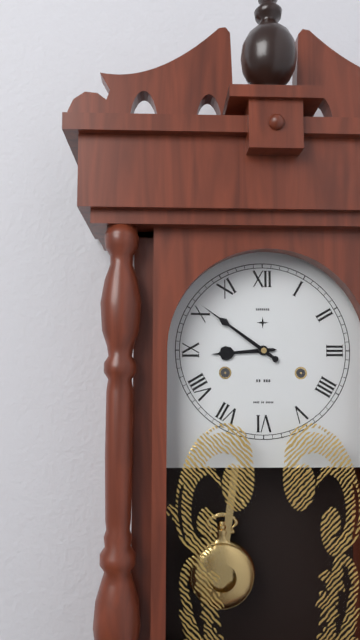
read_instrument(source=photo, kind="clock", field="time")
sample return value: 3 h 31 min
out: 8 h 51 min
